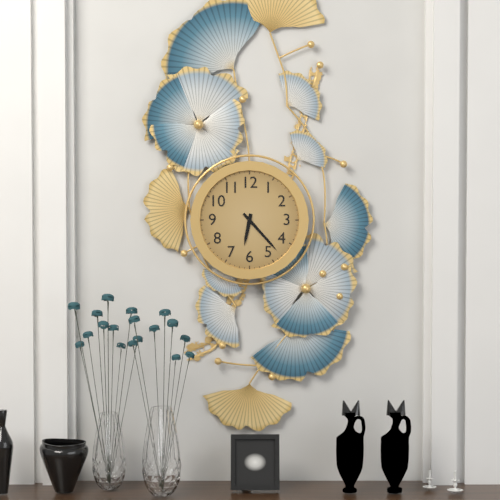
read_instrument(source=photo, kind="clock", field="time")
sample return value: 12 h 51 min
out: 6 h 23 min
